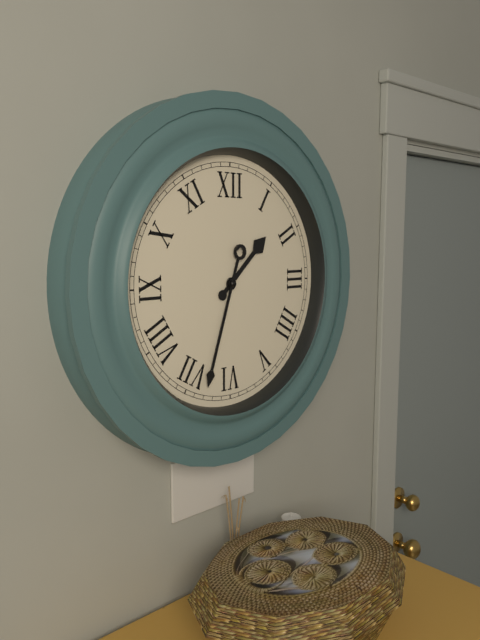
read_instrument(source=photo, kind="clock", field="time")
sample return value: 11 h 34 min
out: 1 h 33 min
